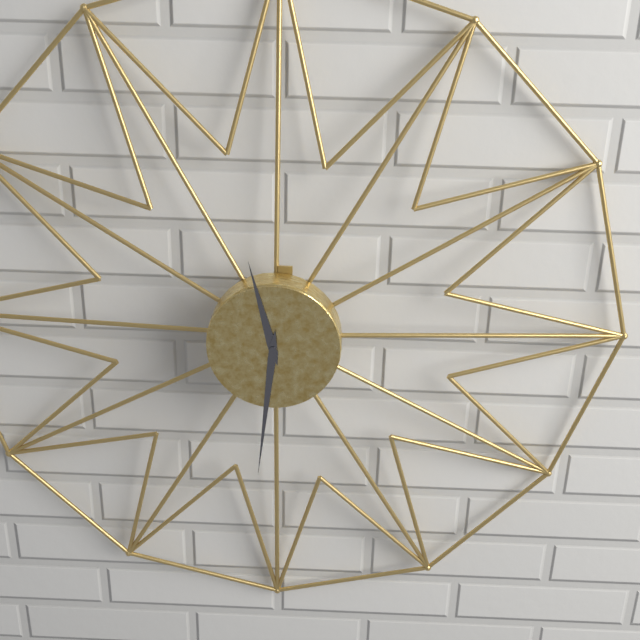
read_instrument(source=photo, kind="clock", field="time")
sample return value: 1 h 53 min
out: 11 h 31 min
